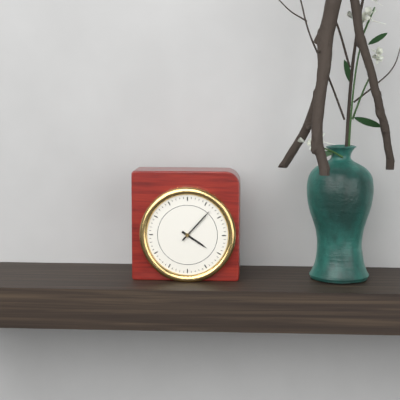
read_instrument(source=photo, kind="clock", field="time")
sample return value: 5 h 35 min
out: 4 h 07 min
